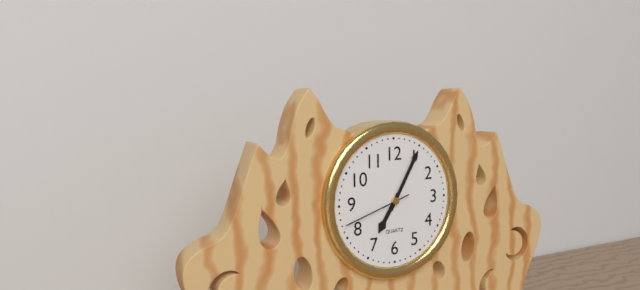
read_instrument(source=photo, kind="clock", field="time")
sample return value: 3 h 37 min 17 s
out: 7 h 05 min 42 s
